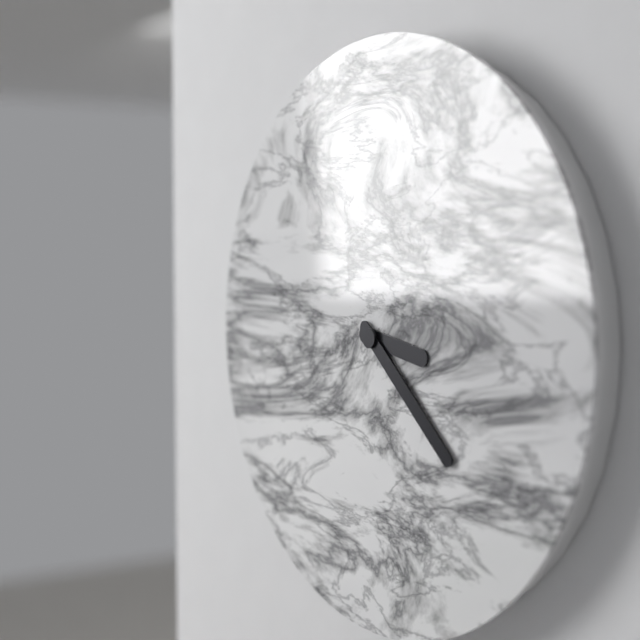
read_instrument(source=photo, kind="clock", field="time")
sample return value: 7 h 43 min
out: 3 h 22 min
